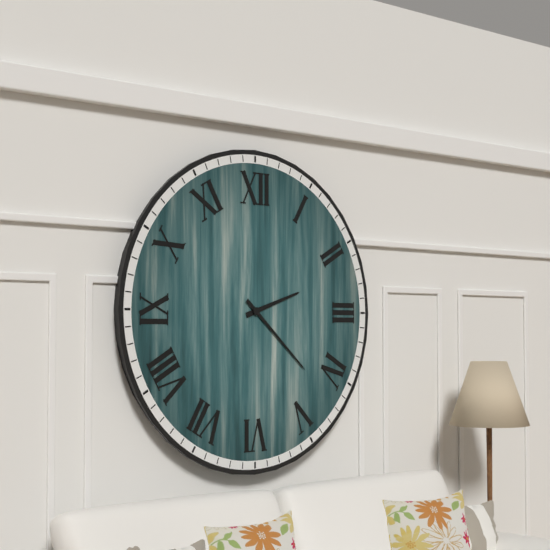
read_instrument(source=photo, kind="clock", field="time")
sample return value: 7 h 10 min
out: 2 h 22 min
